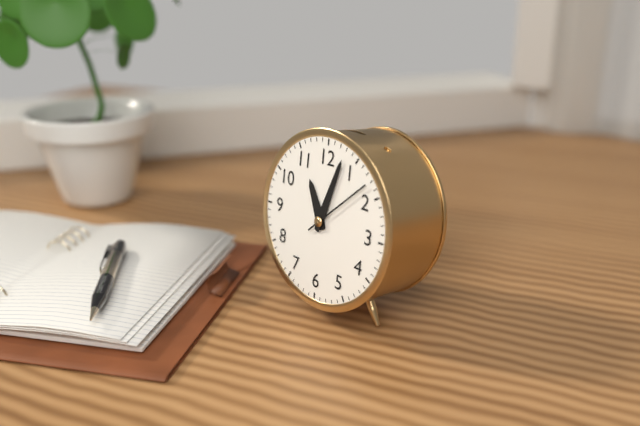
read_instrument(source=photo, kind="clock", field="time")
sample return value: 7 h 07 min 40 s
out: 11 h 03 min 08 s
